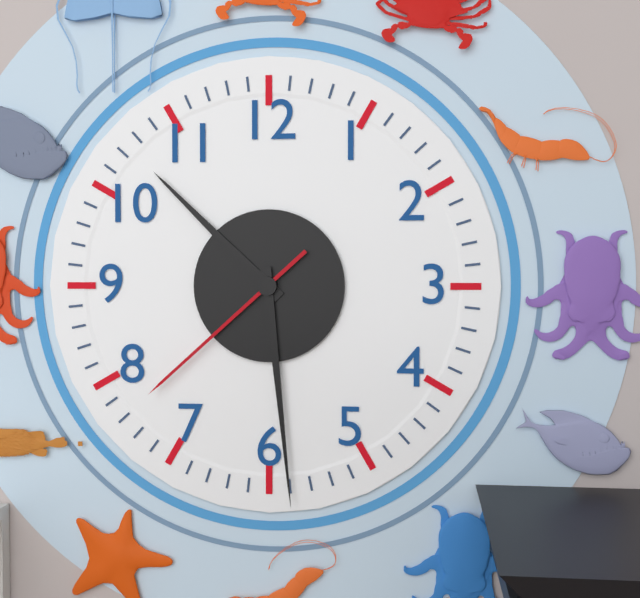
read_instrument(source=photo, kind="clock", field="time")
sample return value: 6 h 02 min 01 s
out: 10 h 29 min 38 s
